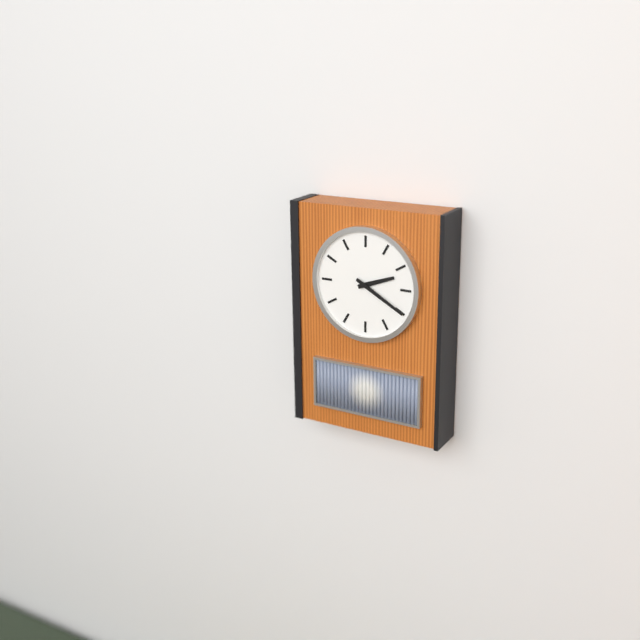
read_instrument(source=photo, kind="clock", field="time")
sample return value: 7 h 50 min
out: 2 h 20 min
